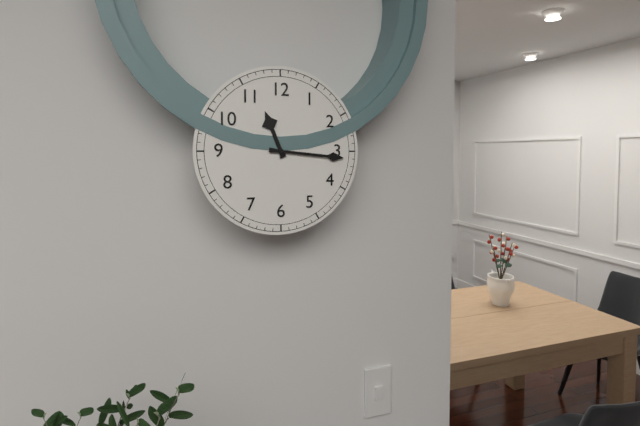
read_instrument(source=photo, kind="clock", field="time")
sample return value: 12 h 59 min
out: 11 h 16 min
